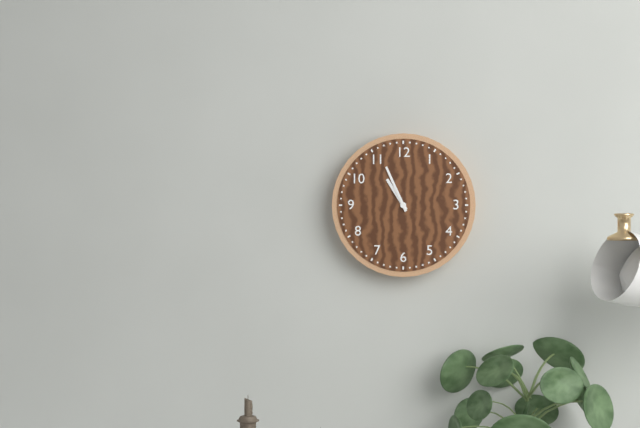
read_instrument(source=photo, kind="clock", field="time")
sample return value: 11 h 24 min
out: 10 h 56 min
